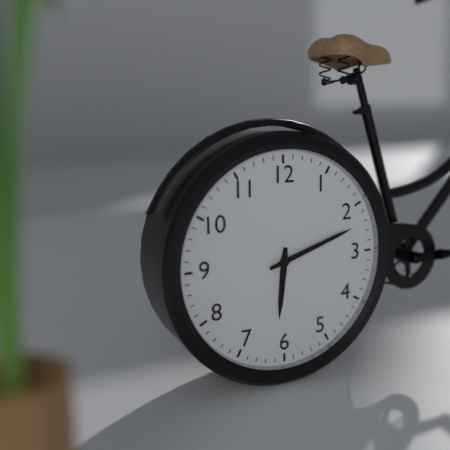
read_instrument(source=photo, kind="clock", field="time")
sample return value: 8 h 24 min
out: 6 h 12 min
